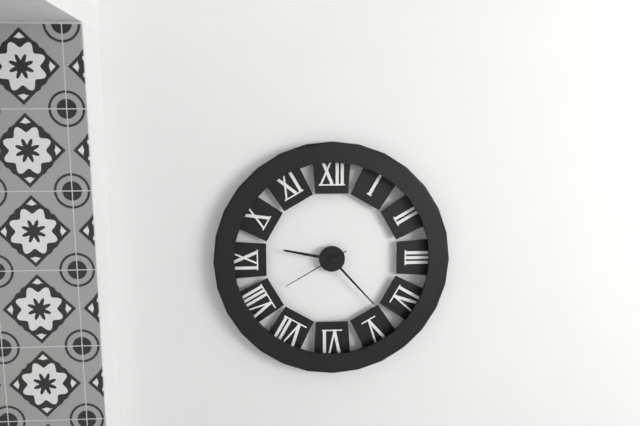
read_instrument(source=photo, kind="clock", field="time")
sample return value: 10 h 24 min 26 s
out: 9 h 23 min 40 s
